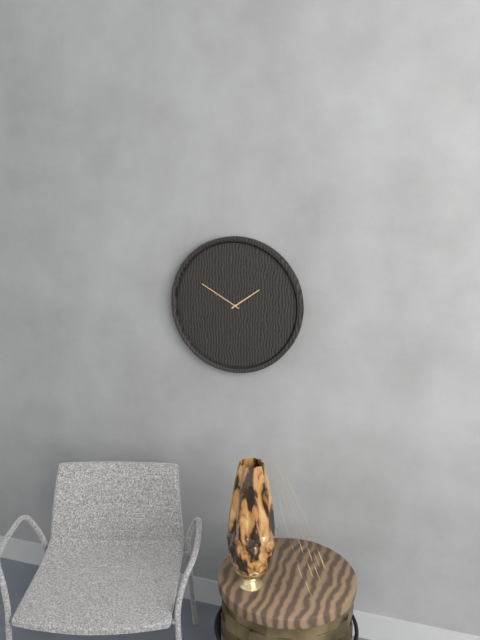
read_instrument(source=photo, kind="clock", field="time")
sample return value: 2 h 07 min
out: 1 h 50 min
